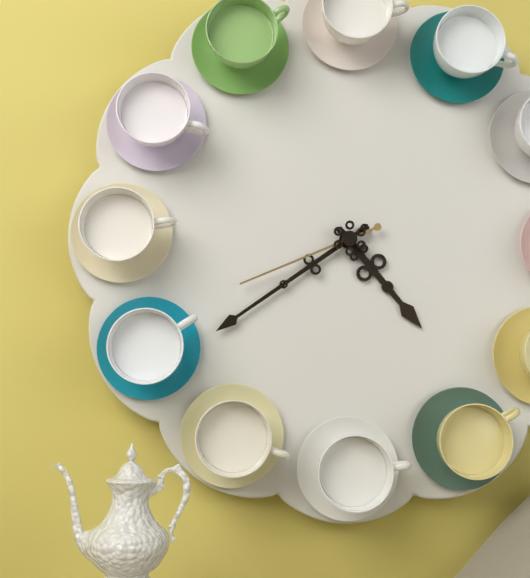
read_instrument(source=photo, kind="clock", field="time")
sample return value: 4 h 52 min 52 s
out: 4 h 39 min 41 s
